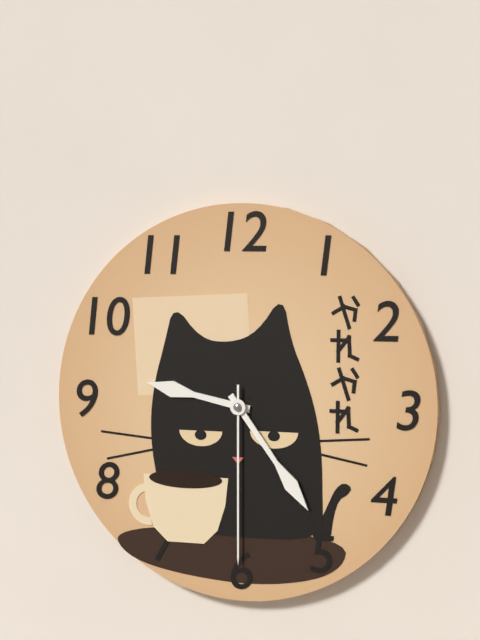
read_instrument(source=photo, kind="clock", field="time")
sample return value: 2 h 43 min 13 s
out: 9 h 24 min 30 s
